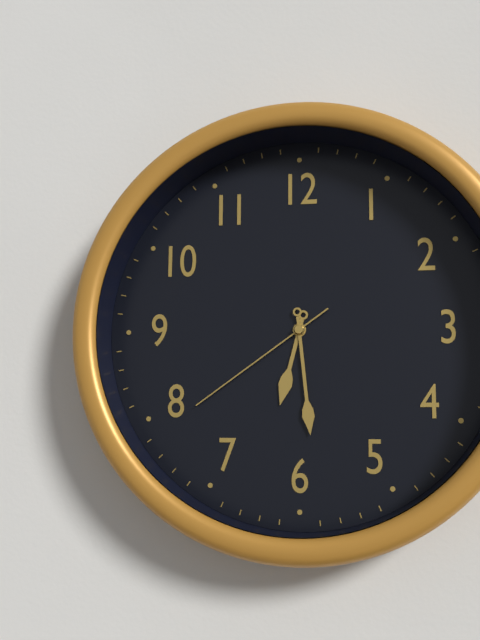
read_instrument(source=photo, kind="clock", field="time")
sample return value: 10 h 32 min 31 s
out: 6 h 29 min 39 s
